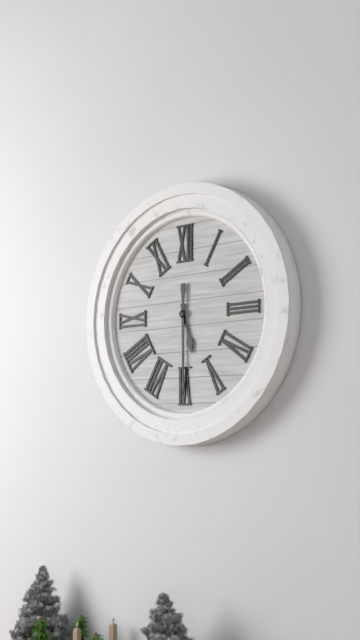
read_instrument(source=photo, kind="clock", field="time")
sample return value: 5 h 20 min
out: 5 h 30 min
